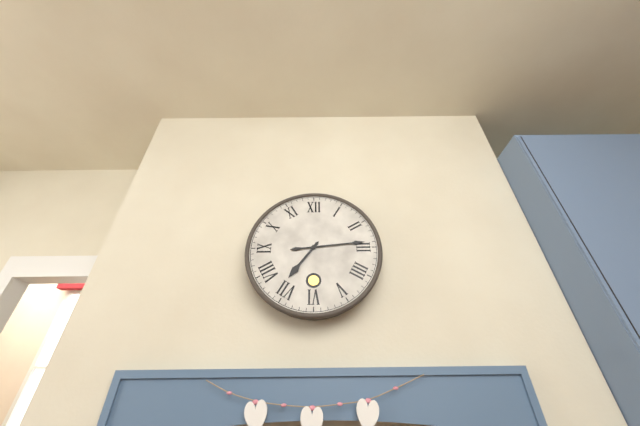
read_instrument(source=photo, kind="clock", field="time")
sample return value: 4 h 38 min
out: 7 h 14 min
